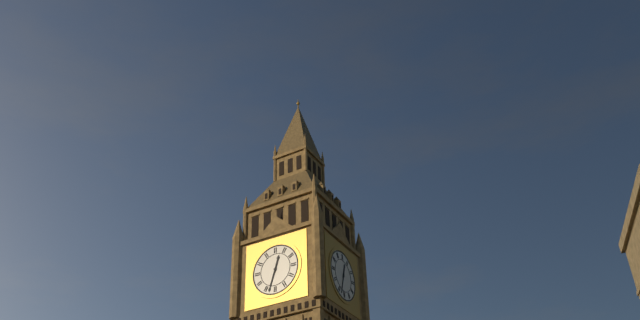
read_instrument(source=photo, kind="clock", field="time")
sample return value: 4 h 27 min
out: 12 h 33 min
